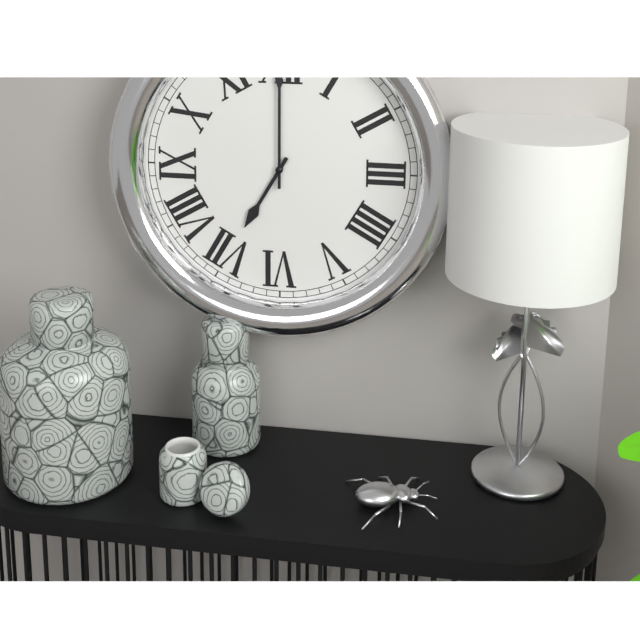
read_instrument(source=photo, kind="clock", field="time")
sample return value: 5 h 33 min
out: 7 h 00 min
